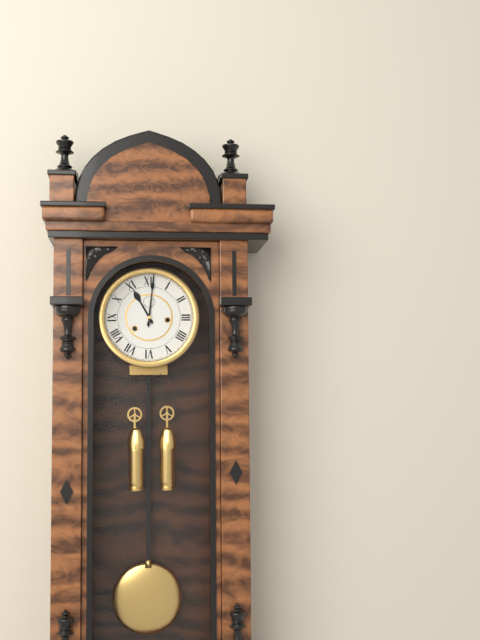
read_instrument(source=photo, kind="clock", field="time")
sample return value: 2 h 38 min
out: 11 h 01 min
